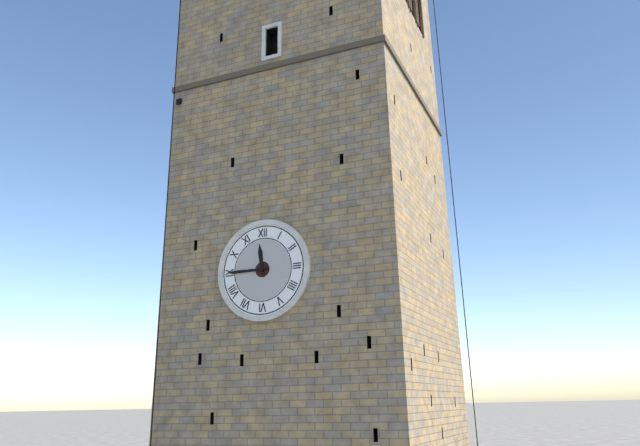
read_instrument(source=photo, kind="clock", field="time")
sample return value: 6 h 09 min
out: 11 h 45 min
